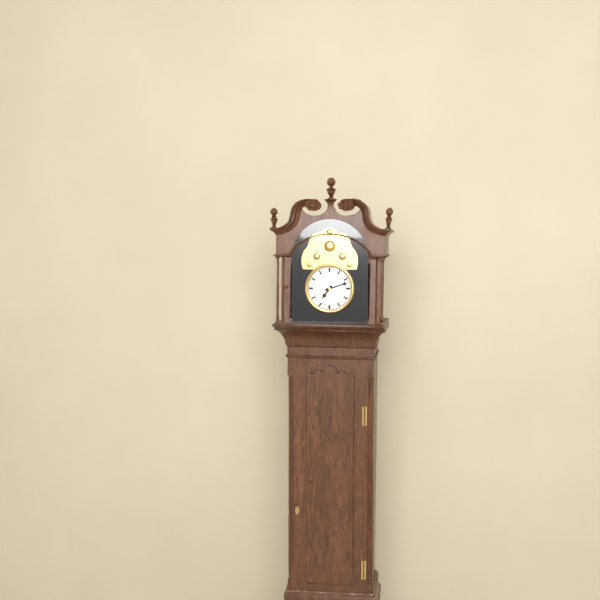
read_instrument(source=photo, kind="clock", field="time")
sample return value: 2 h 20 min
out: 7 h 12 min
